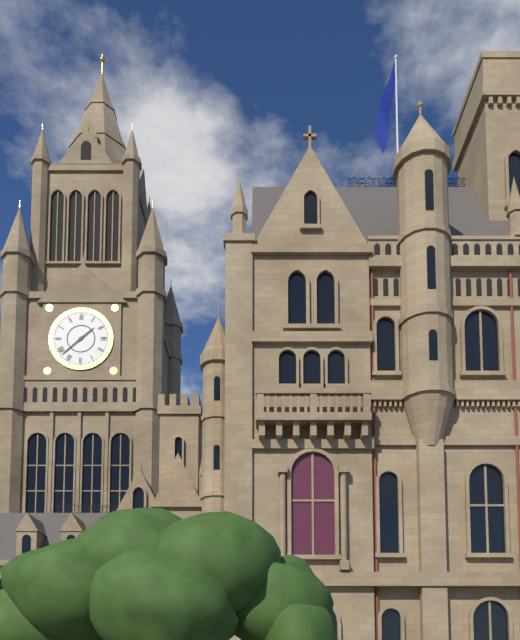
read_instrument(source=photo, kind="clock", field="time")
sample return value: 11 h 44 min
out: 1 h 38 min
